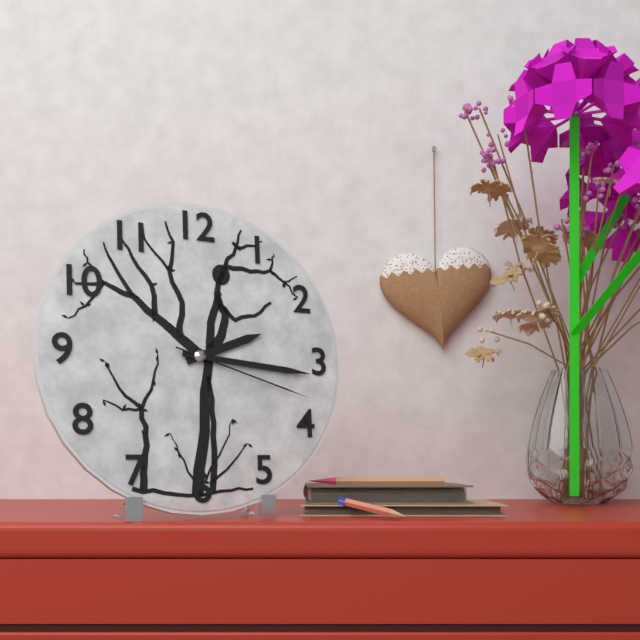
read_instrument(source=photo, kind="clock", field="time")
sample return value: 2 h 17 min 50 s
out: 2 h 16 min 18 s
